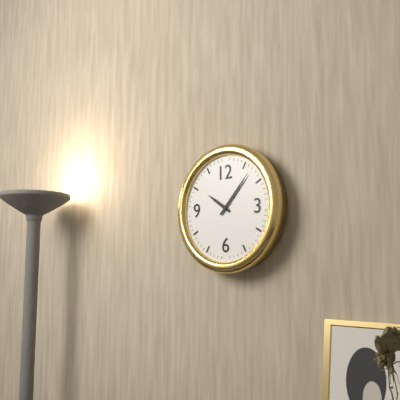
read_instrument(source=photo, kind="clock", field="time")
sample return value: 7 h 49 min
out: 10 h 07 min
